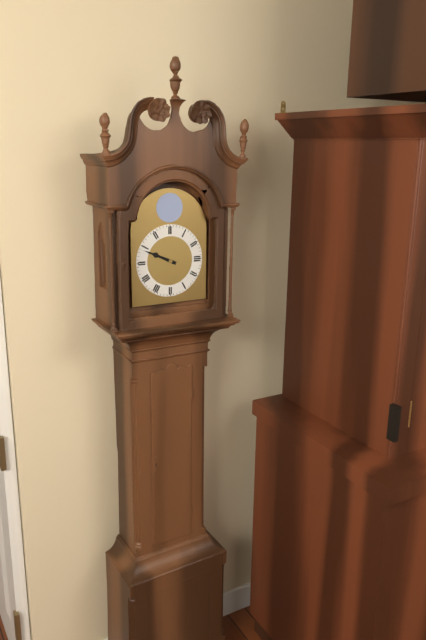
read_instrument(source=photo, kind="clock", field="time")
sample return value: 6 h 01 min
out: 9 h 49 min
